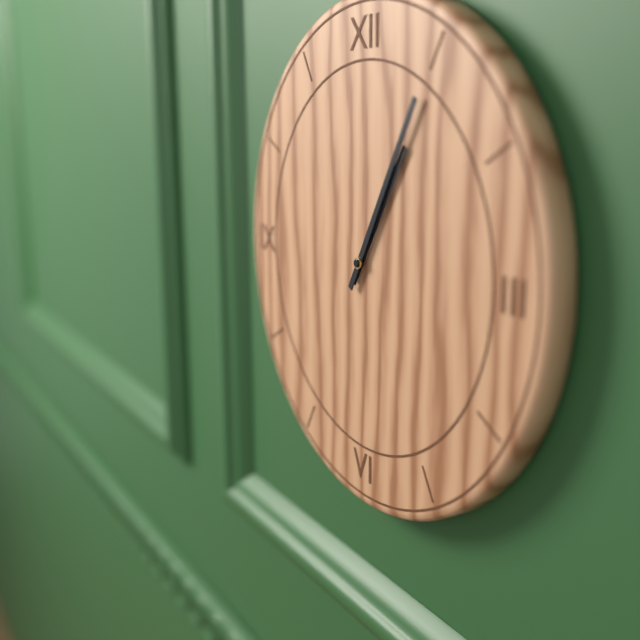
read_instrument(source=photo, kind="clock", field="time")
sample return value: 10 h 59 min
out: 1 h 05 min
